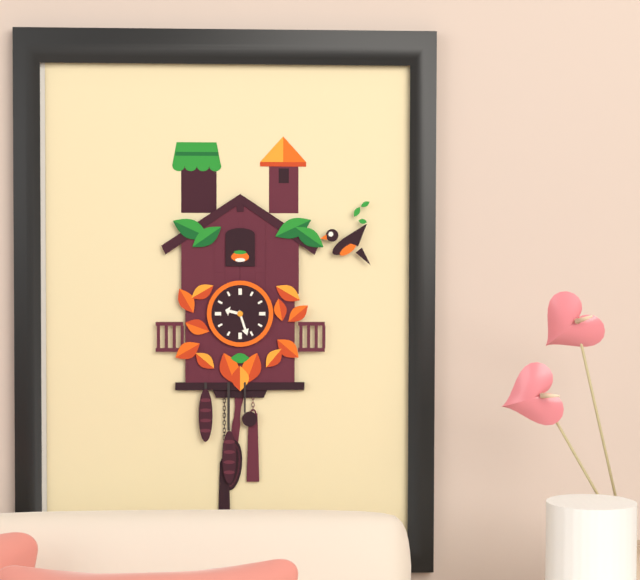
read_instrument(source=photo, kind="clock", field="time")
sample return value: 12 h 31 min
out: 9 h 27 min
